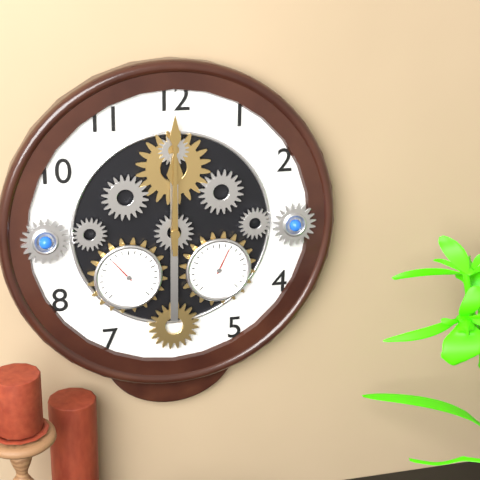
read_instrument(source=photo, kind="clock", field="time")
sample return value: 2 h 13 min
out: 12 h 00 min
